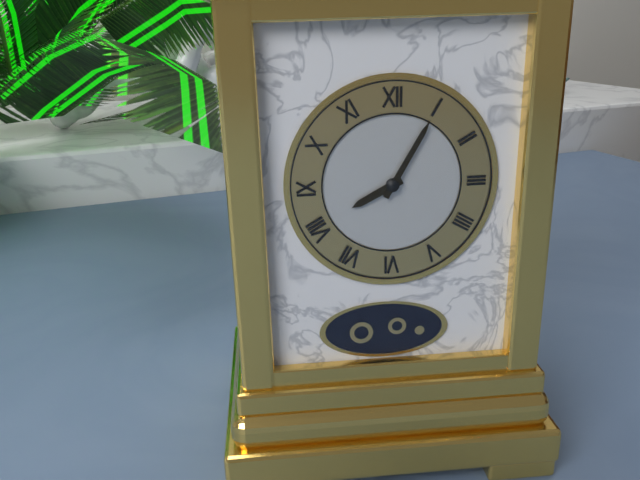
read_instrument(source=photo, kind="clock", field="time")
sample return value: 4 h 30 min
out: 8 h 05 min
